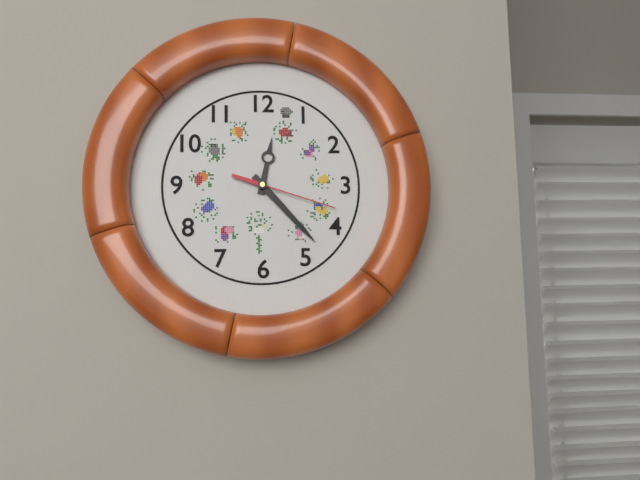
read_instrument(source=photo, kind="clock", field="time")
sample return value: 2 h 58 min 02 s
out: 12 h 23 min 18 s
